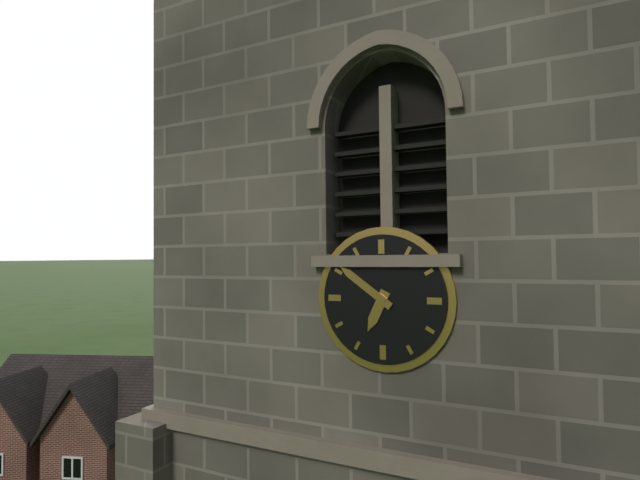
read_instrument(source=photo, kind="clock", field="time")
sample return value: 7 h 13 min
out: 6 h 51 min
